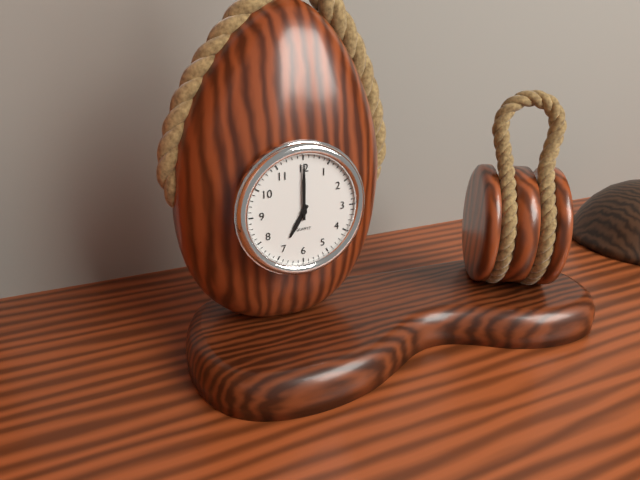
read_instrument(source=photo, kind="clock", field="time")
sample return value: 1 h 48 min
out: 7 h 00 min
